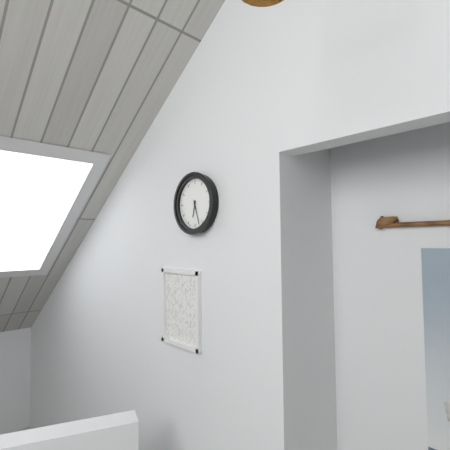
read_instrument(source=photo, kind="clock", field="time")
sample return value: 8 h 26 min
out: 6 h 27 min
